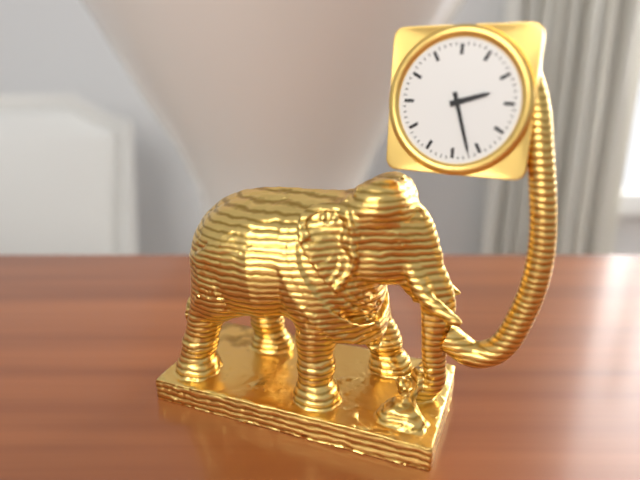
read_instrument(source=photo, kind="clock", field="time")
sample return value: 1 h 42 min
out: 2 h 27 min
